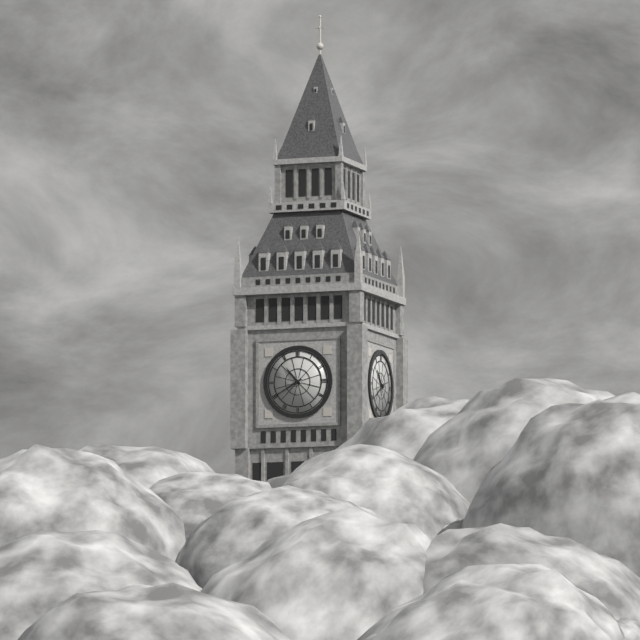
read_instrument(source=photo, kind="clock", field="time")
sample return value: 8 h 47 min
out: 10 h 40 min
